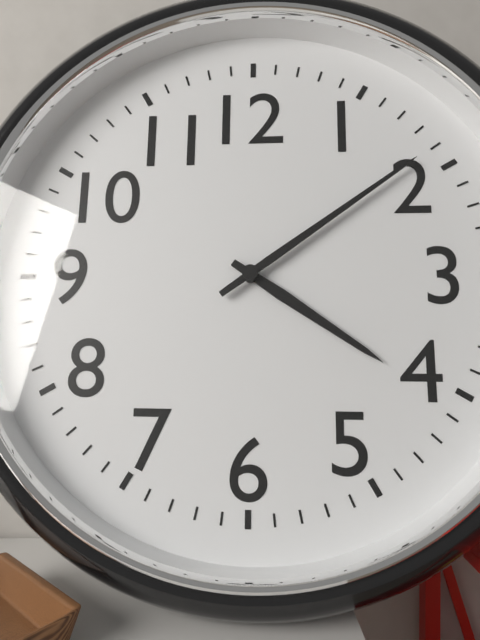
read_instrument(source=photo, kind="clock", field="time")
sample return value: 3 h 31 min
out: 4 h 09 min
